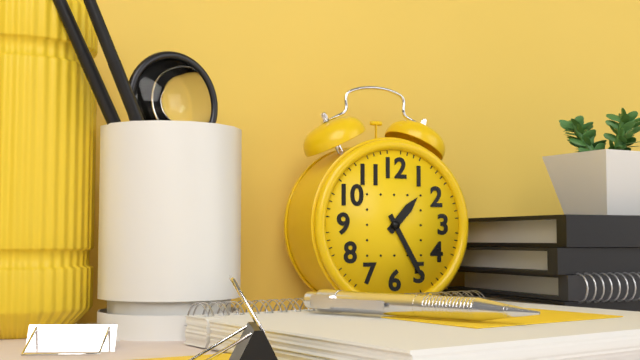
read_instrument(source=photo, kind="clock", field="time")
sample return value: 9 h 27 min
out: 1 h 25 min
